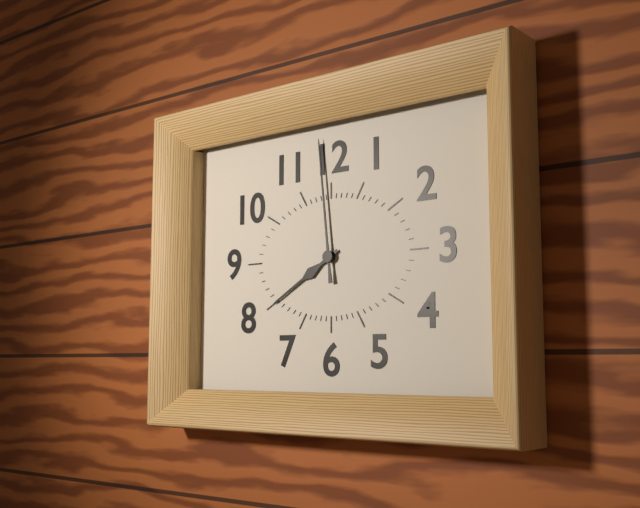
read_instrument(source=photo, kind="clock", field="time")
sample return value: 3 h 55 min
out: 7 h 59 min
